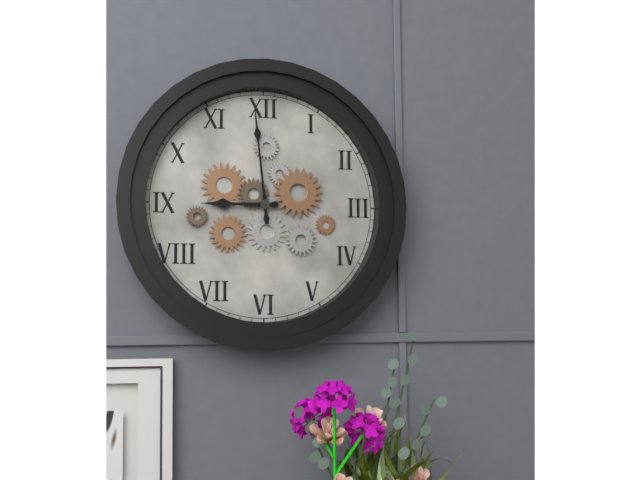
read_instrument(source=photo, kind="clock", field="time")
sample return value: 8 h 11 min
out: 8 h 59 min
